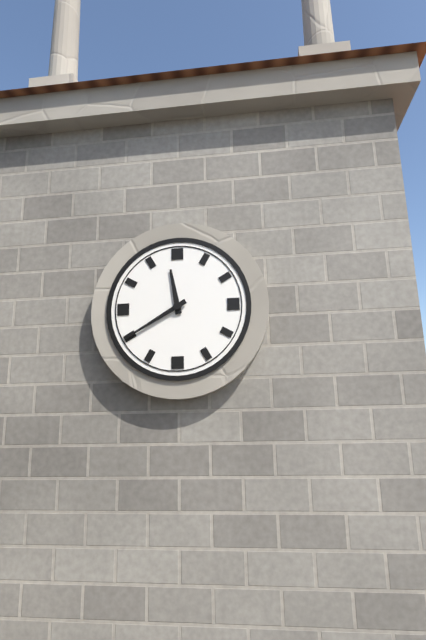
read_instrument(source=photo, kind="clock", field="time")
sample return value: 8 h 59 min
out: 11 h 40 min
